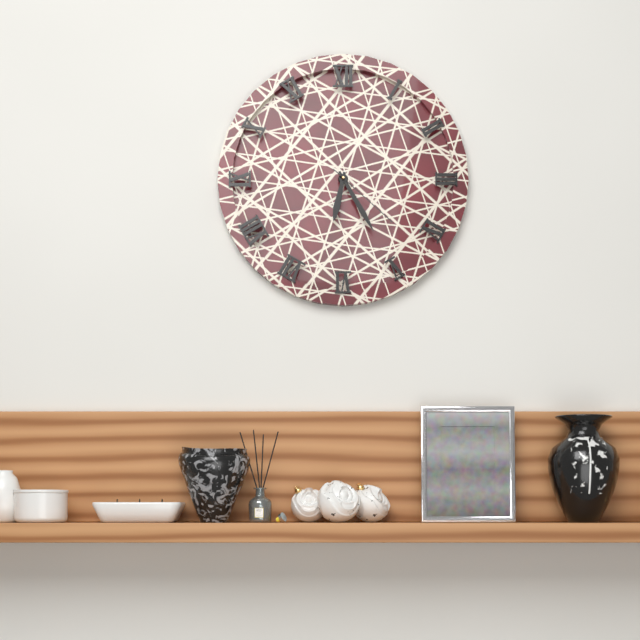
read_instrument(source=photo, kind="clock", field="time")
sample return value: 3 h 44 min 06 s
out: 6 h 25 min 22 s
